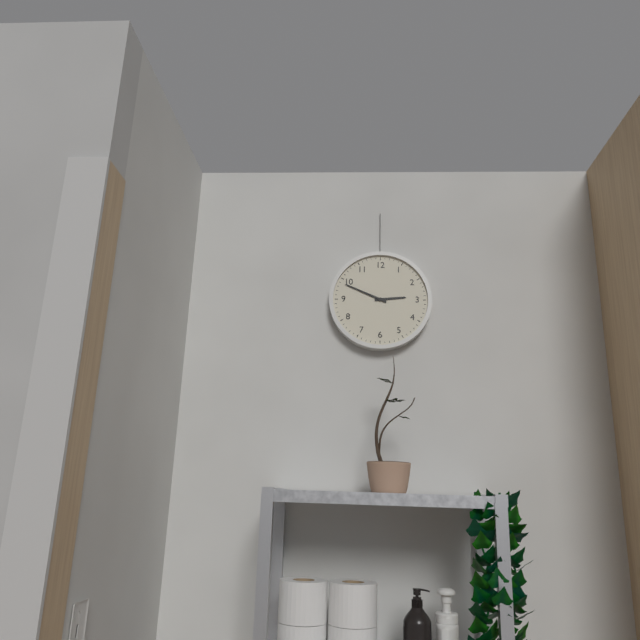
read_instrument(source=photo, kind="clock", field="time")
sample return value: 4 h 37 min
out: 2 h 49 min
